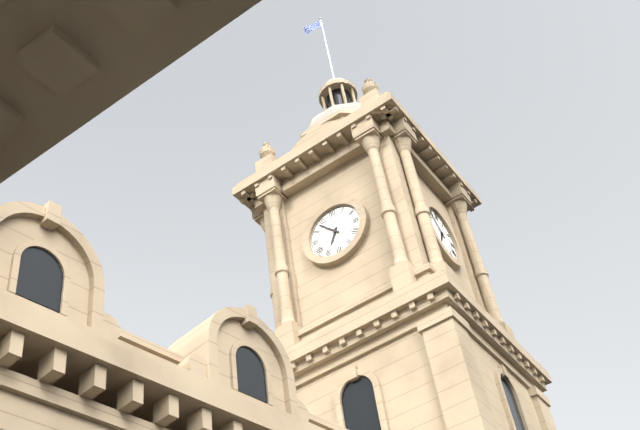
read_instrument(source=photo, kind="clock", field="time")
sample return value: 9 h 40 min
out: 6 h 53 min
